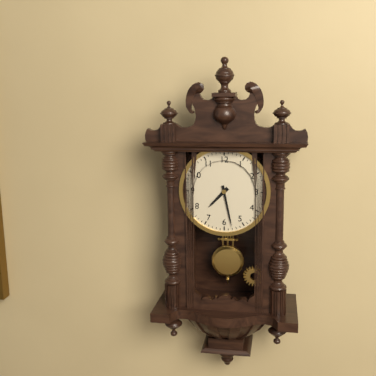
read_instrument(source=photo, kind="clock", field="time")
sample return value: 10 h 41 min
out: 7 h 28 min
